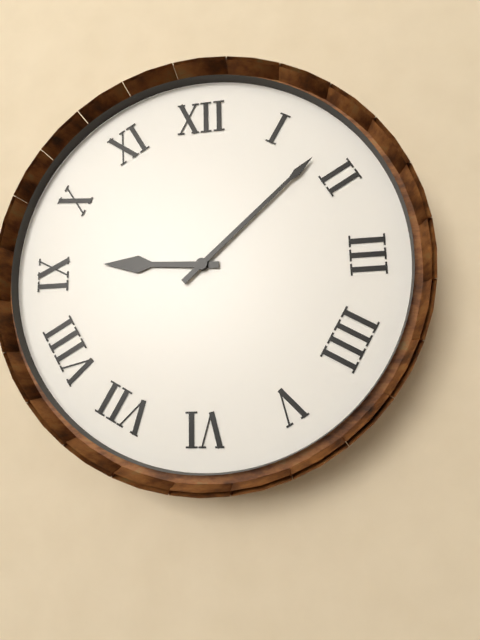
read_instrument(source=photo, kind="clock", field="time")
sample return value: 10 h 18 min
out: 9 h 08 min
